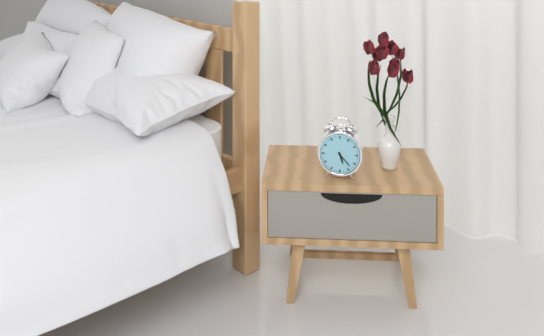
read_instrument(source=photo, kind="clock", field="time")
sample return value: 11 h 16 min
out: 5 h 23 min
